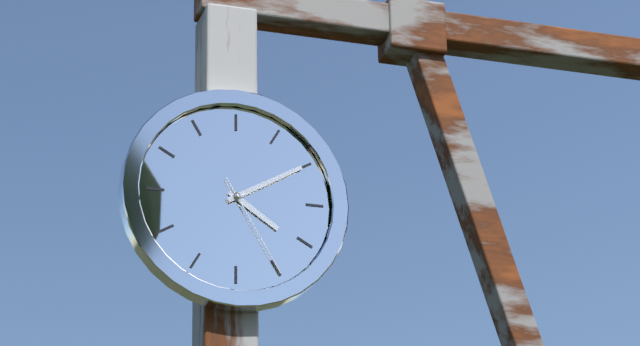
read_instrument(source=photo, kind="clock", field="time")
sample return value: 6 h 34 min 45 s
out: 4 h 10 min 25 s
